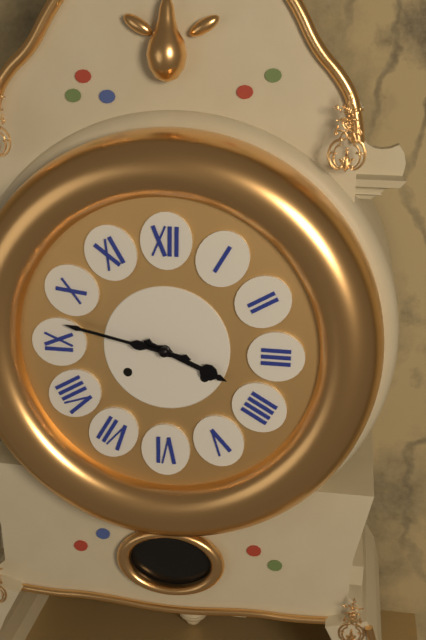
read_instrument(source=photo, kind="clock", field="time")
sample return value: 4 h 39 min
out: 3 h 47 min
